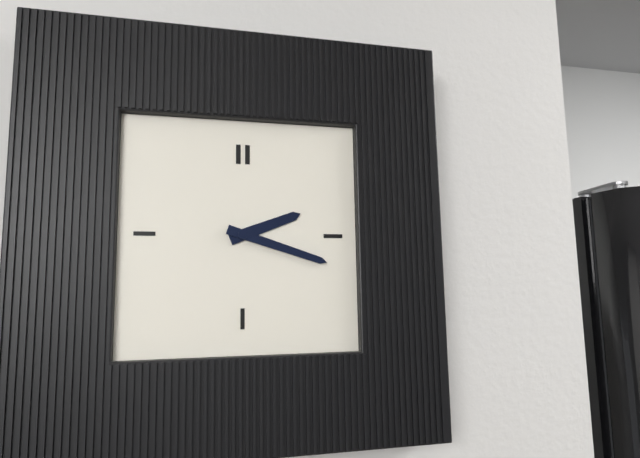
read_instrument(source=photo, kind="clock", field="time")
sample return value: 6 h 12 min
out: 2 h 18 min
